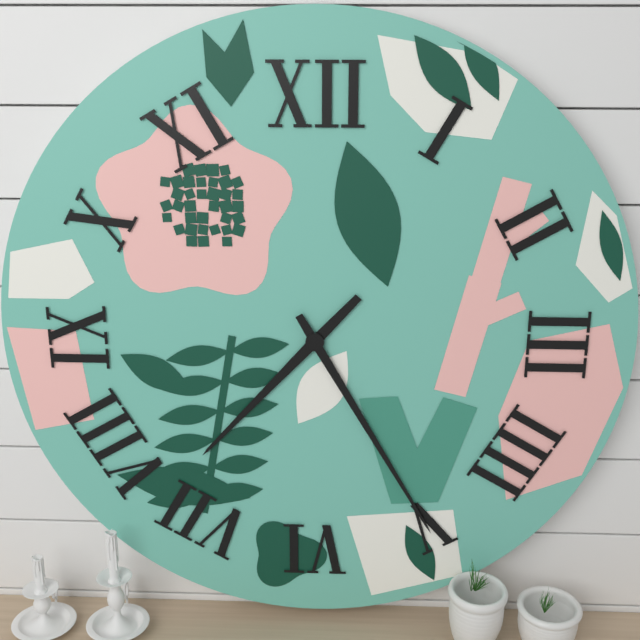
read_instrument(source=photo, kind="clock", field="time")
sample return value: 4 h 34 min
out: 7 h 25 min
